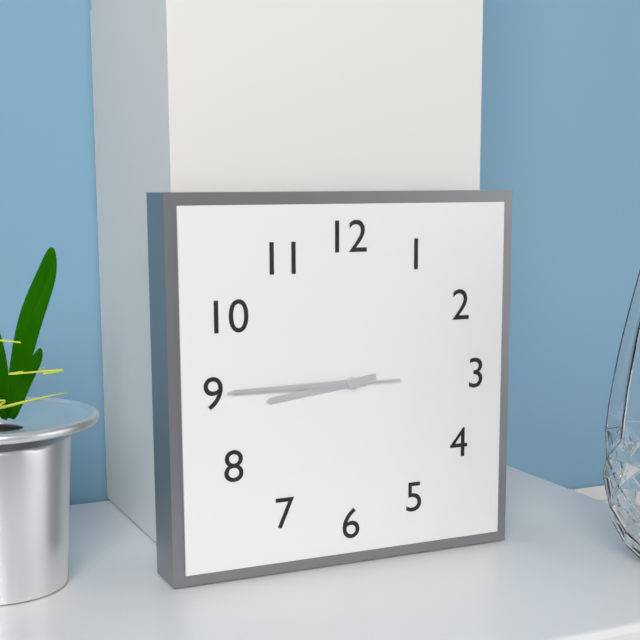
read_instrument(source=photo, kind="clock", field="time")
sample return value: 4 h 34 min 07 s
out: 8 h 45 min 45 s
